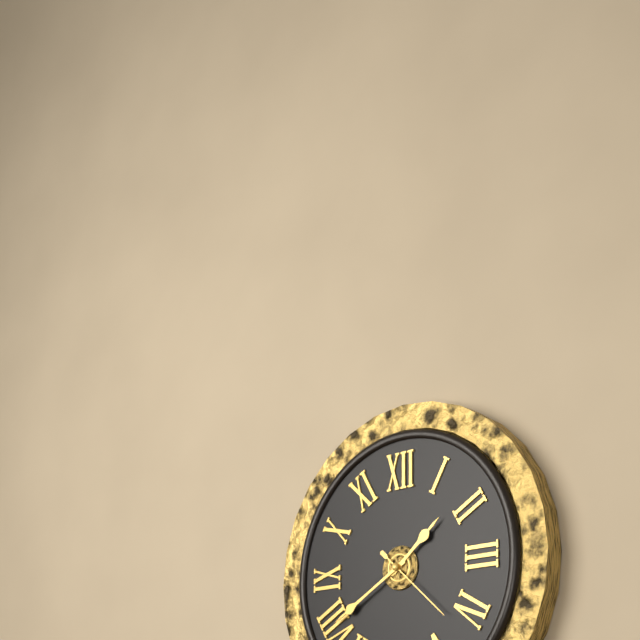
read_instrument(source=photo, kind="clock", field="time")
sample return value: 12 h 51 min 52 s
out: 1 h 40 min 22 s
